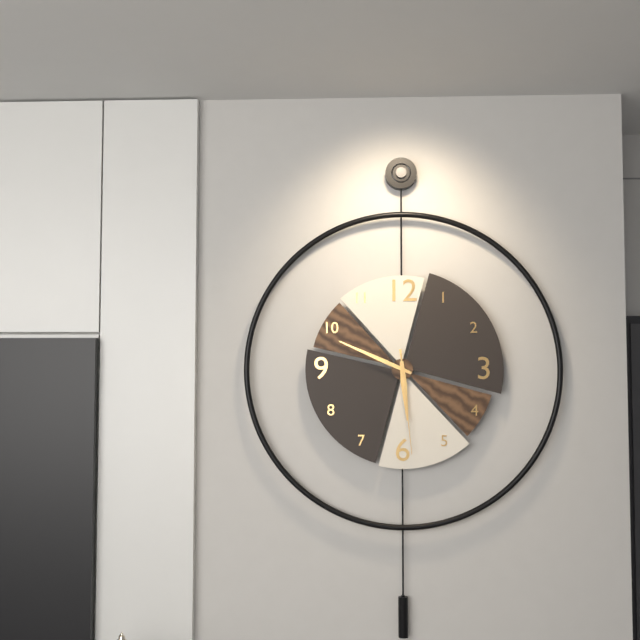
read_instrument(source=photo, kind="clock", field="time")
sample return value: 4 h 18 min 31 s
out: 5 h 49 min 29 s
